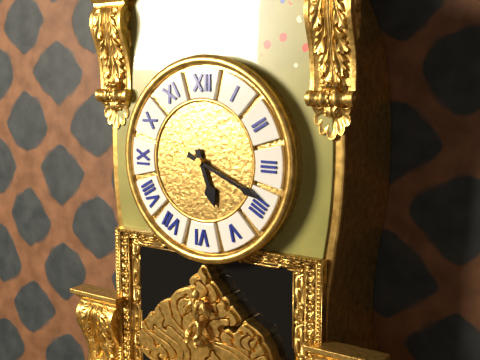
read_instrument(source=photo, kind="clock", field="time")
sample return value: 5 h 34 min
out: 5 h 19 min
